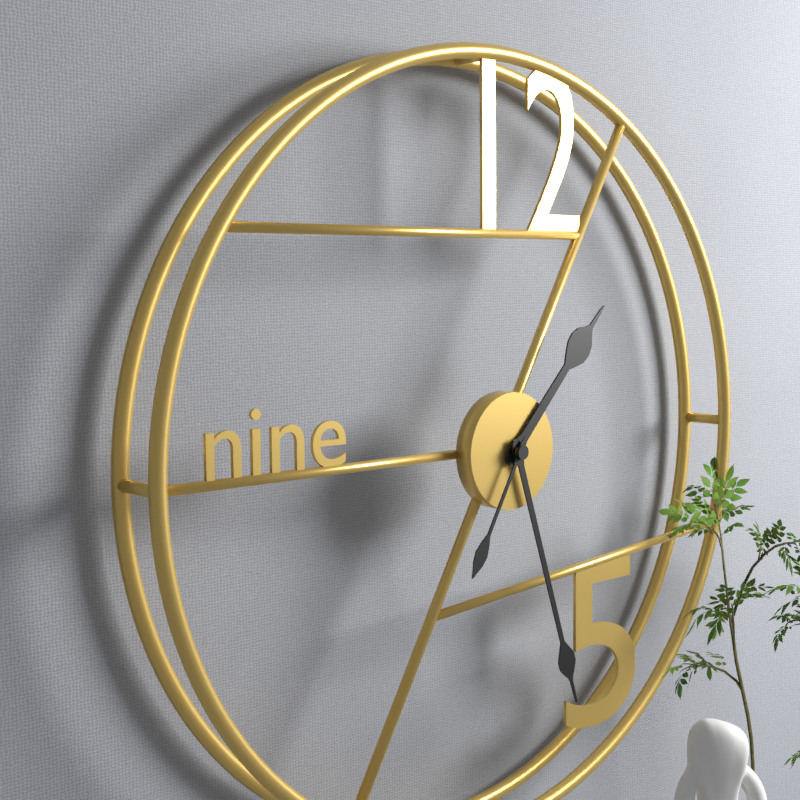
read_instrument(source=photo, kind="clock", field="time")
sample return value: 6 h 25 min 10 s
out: 1 h 27 min 35 s
